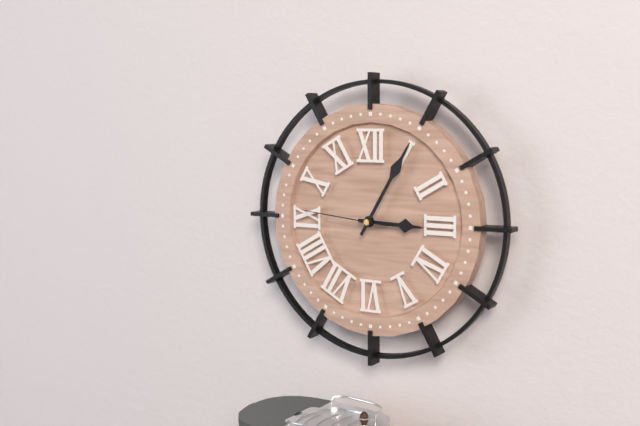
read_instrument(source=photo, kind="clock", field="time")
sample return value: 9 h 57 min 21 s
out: 3 h 05 min 46 s
